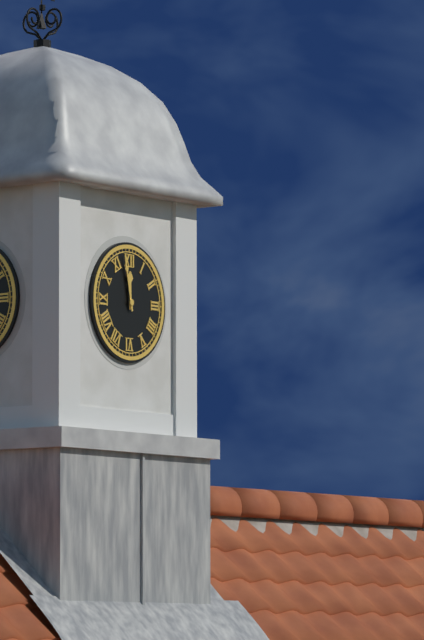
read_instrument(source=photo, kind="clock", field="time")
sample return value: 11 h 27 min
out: 11 h 58 min
